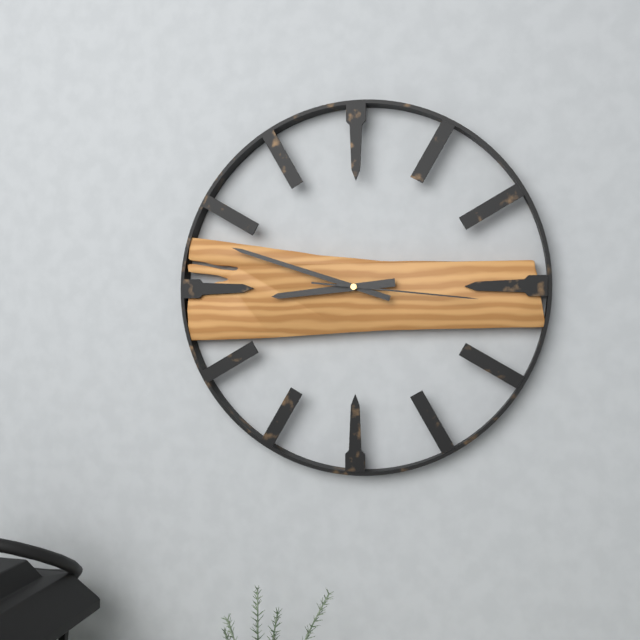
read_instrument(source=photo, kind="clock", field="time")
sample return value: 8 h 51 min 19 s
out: 8 h 48 min 16 s
